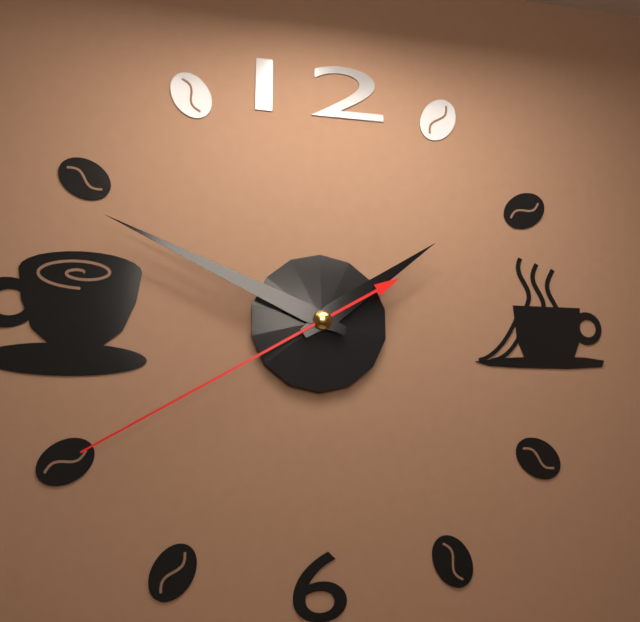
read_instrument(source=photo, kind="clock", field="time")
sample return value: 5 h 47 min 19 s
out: 1 h 49 min 40 s
